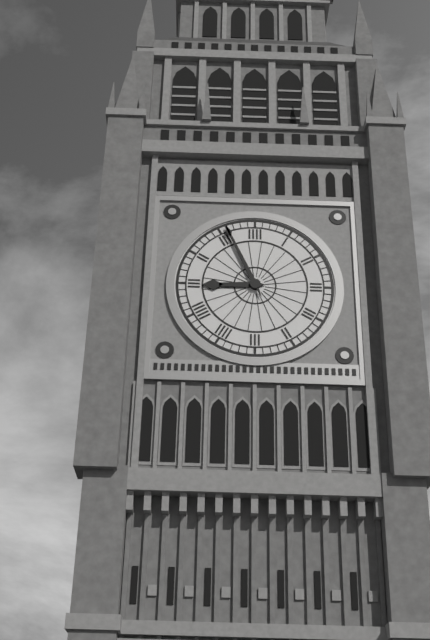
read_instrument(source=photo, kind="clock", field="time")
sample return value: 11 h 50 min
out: 8 h 56 min
